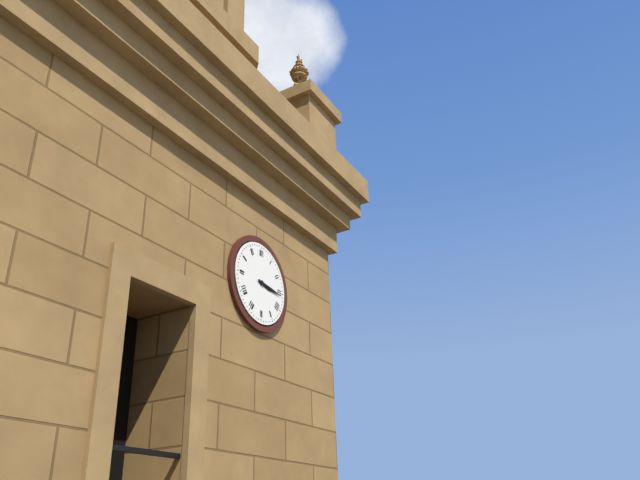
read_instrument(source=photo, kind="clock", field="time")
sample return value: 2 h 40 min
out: 3 h 16 min
